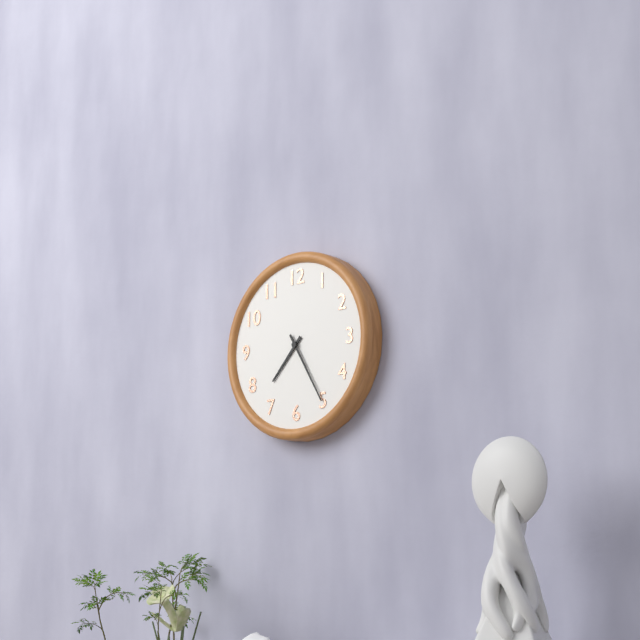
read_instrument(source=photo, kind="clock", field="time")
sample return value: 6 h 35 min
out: 7 h 25 min
